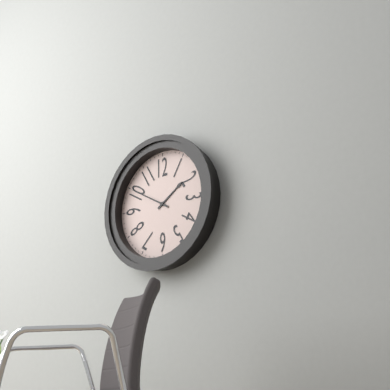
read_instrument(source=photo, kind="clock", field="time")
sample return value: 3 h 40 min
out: 1 h 50 min
